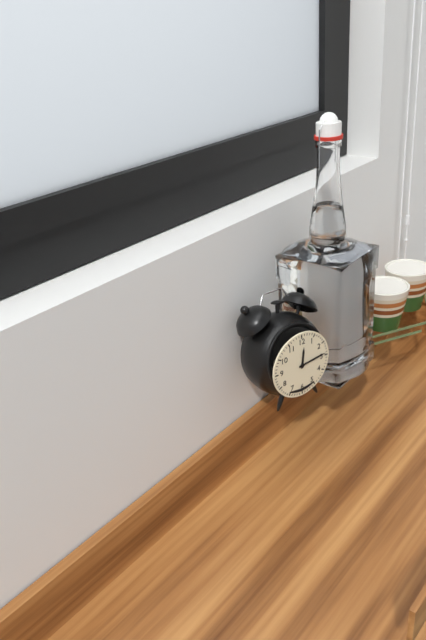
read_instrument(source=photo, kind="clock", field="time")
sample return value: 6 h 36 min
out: 12 h 14 min
